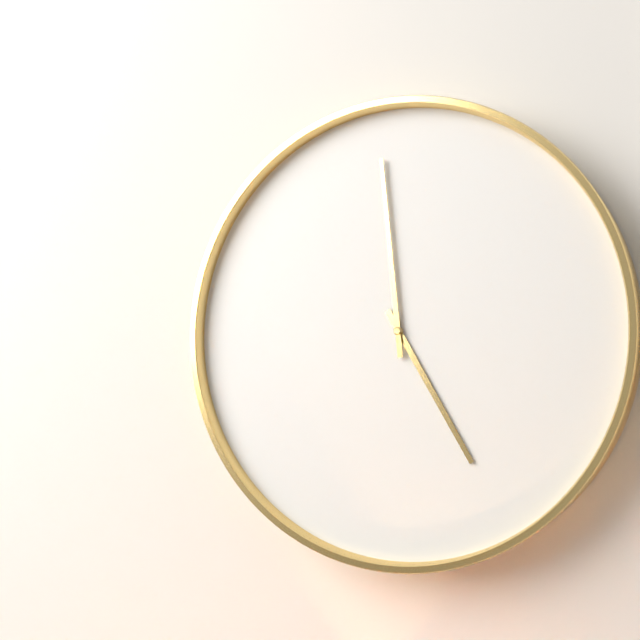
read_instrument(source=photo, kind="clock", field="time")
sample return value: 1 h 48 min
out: 4 h 59 min
